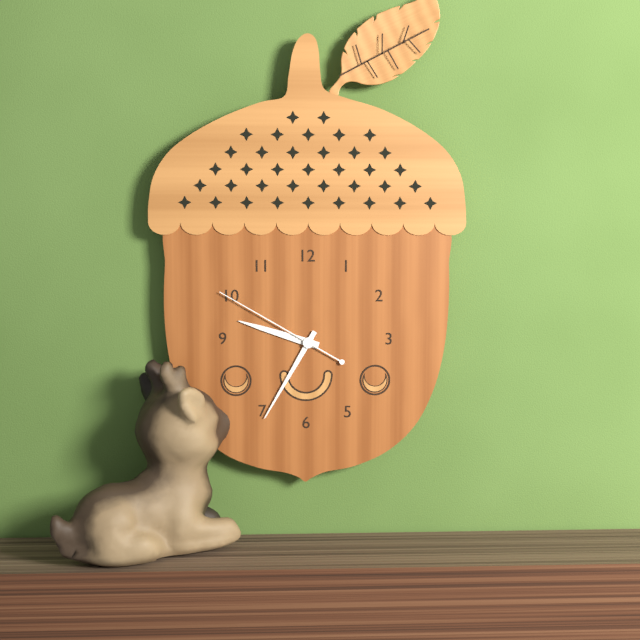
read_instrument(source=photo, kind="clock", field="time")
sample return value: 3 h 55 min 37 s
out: 9 h 35 min 50 s
